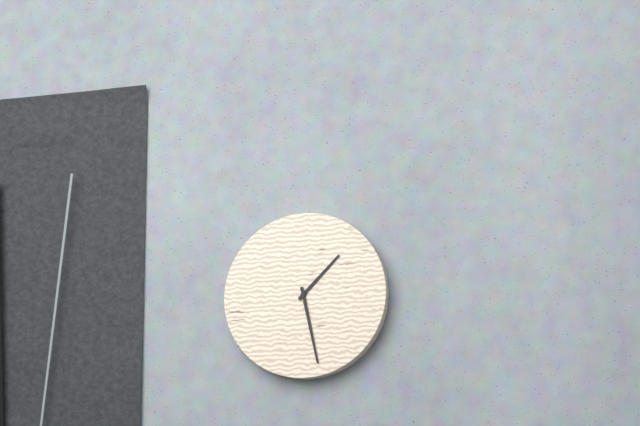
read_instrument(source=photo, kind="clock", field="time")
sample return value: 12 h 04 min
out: 1 h 28 min
